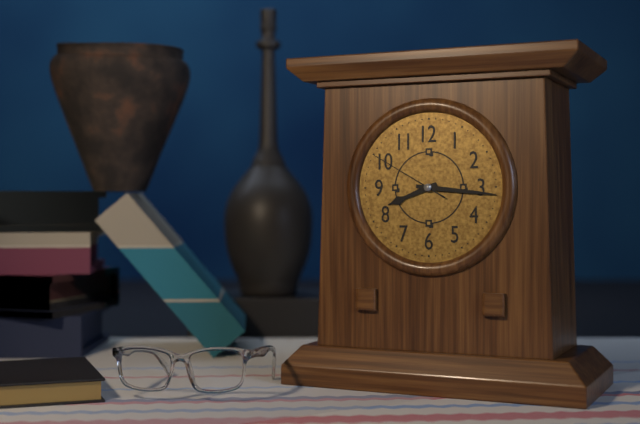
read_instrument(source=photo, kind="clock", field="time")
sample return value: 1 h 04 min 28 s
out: 8 h 16 min 50 s
